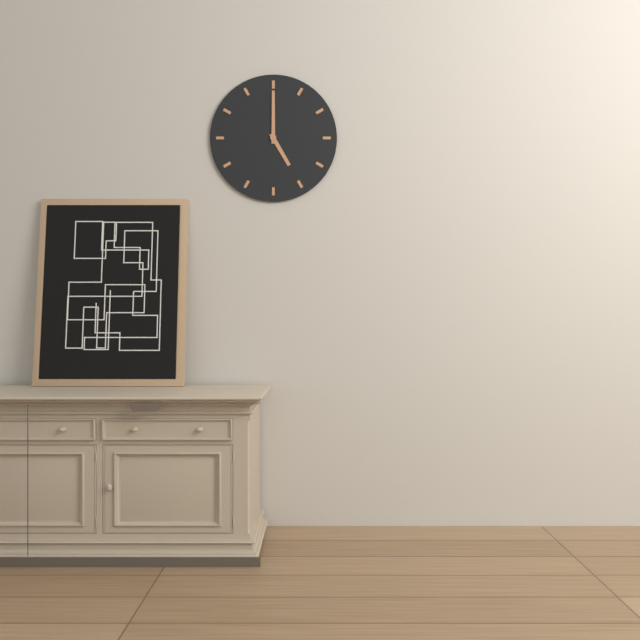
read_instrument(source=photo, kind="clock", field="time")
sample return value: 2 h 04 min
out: 5 h 00 min
